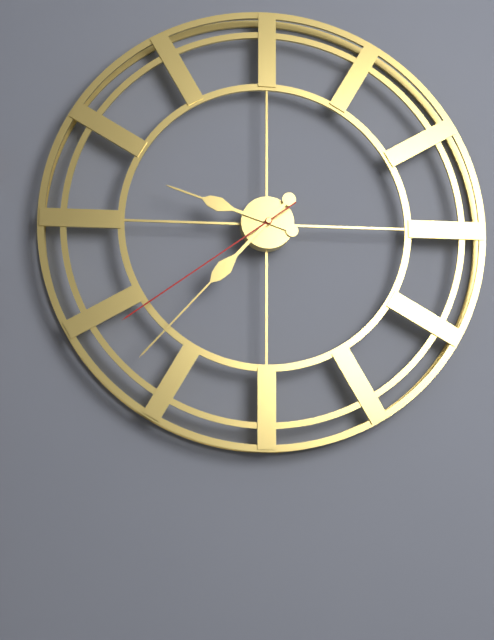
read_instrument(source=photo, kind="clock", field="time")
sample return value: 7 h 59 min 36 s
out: 9 h 37 min 39 s
